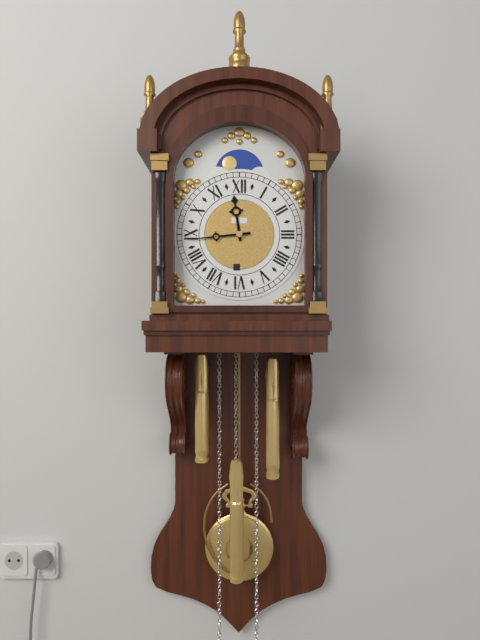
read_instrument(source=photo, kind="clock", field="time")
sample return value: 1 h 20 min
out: 11 h 44 min
